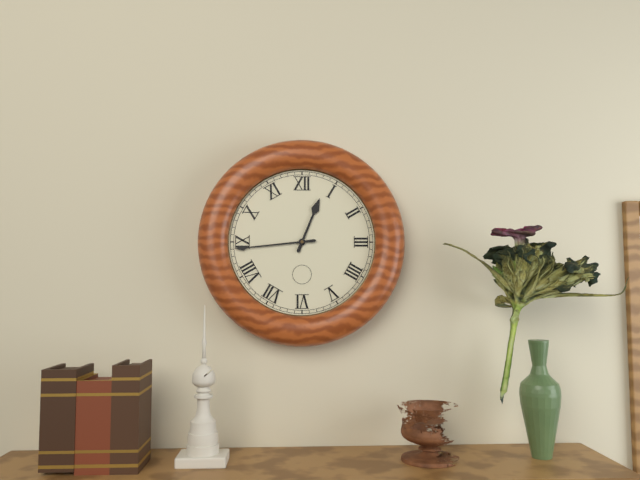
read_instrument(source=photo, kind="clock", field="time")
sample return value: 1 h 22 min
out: 12 h 44 min
